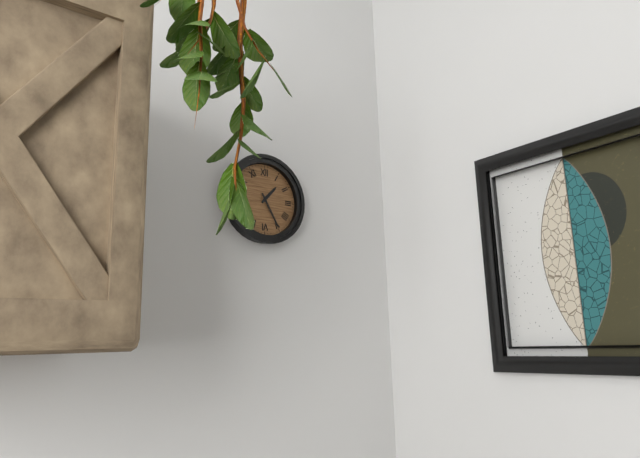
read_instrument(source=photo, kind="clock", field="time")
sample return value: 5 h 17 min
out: 1 h 25 min
